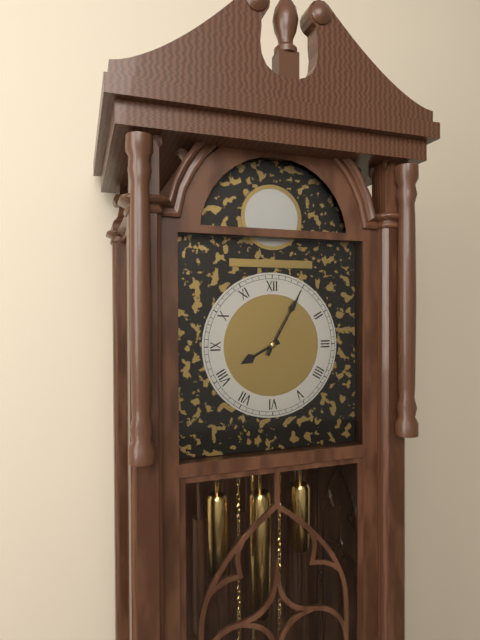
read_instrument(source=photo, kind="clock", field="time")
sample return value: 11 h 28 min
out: 8 h 05 min
